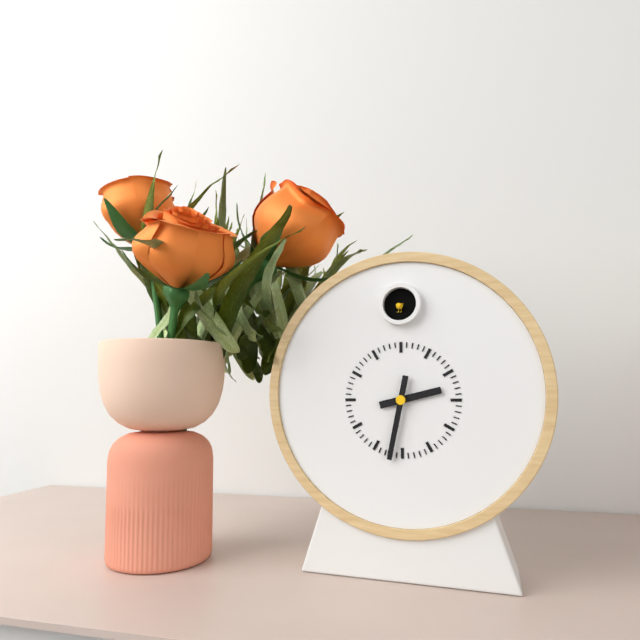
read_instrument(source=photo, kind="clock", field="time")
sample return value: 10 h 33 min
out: 2 h 32 min
